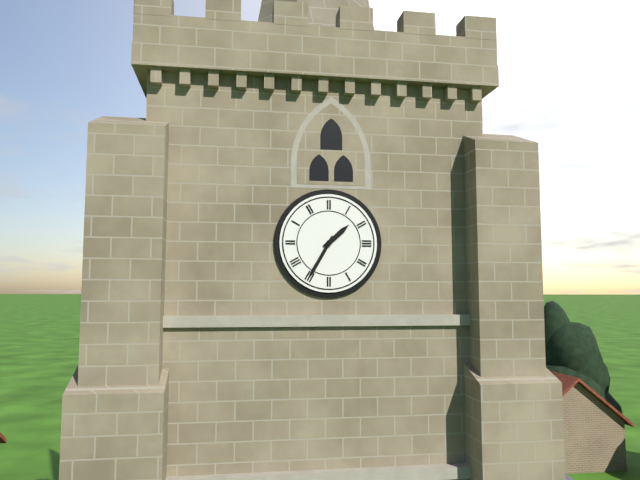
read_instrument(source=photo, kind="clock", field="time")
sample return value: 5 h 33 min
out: 1 h 35 min
